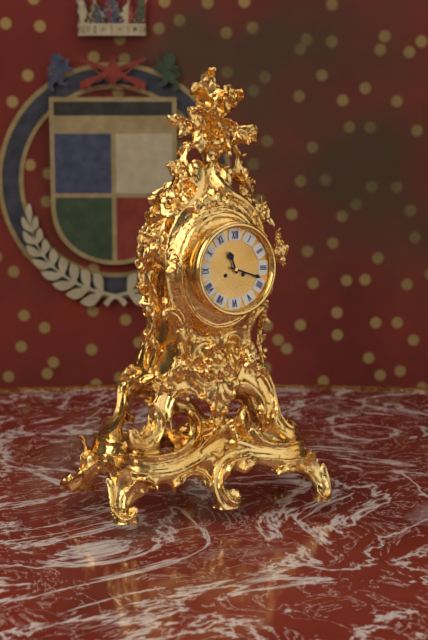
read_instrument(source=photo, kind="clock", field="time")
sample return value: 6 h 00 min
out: 11 h 18 min
